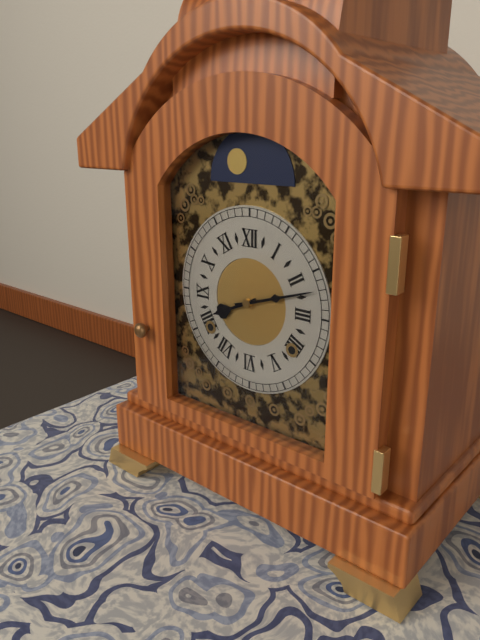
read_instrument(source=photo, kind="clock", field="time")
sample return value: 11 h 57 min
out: 8 h 12 min
